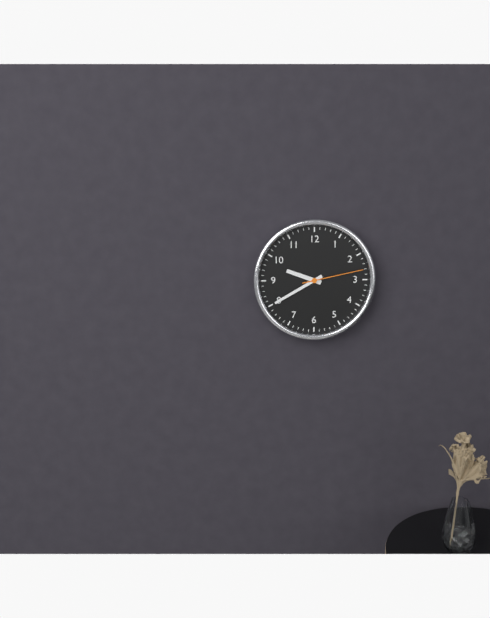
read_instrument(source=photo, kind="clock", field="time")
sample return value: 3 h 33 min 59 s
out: 9 h 40 min 13 s
